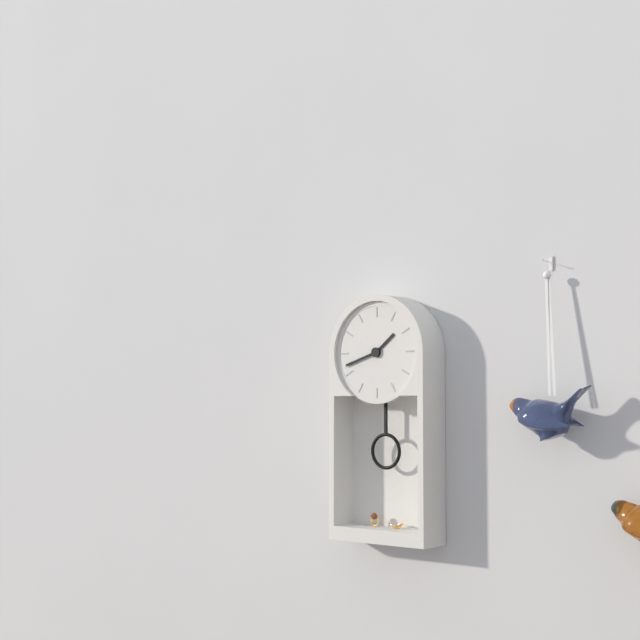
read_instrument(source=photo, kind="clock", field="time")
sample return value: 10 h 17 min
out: 1 h 42 min
